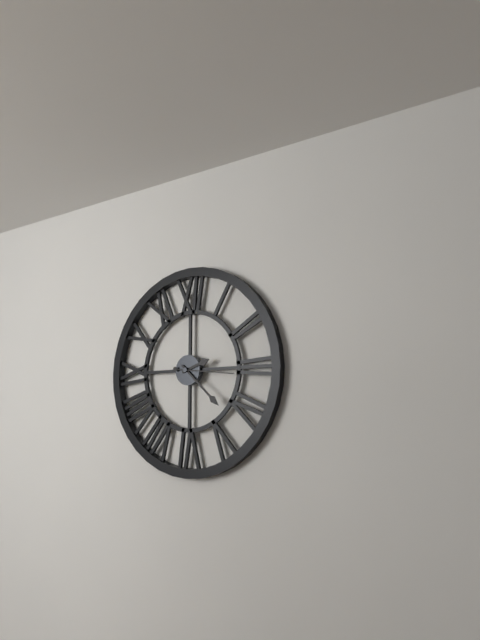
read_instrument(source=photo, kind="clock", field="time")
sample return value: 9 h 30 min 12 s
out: 2 h 22 min 16 s
